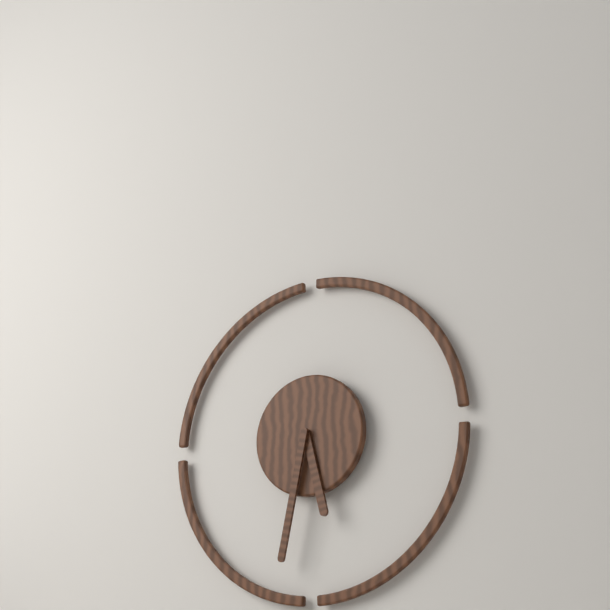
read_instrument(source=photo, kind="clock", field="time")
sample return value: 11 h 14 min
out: 5 h 32 min
